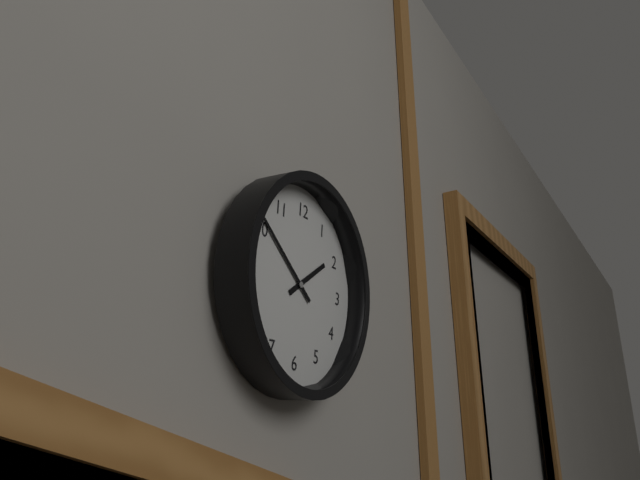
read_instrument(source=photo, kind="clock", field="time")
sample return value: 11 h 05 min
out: 1 h 51 min
